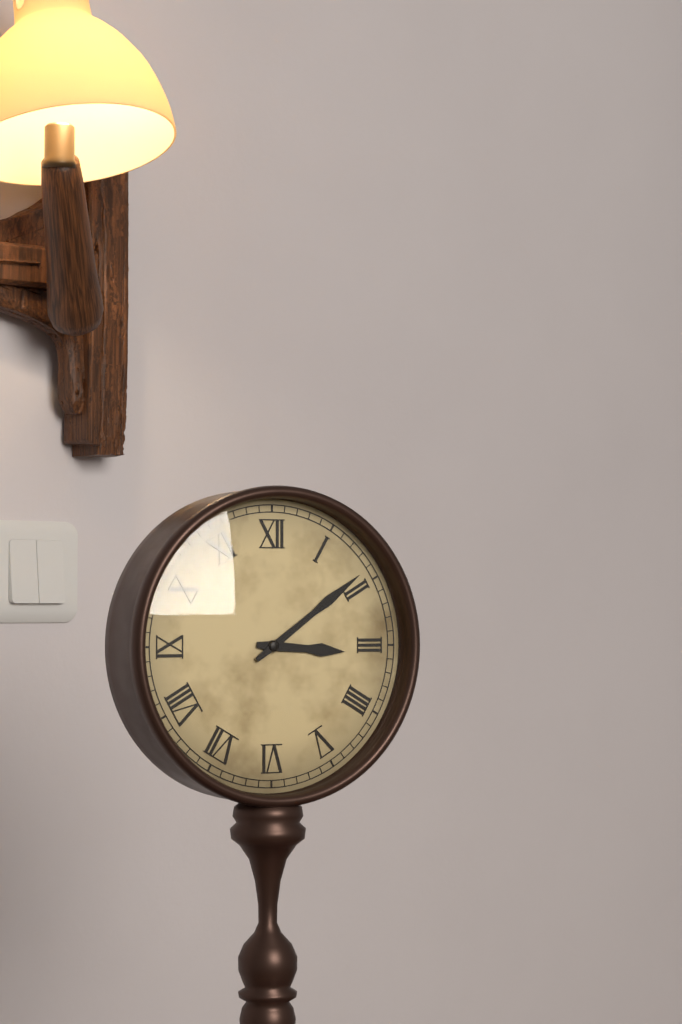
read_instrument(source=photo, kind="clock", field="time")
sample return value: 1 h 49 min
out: 3 h 09 min
